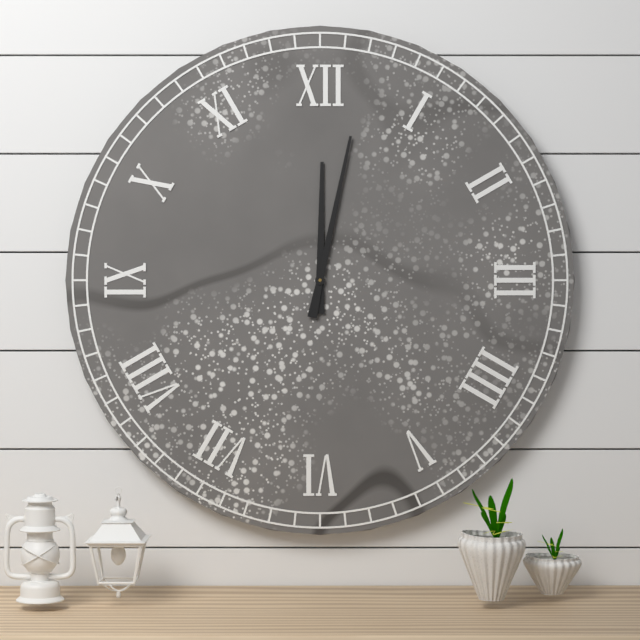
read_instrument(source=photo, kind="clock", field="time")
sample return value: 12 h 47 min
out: 12 h 02 min
